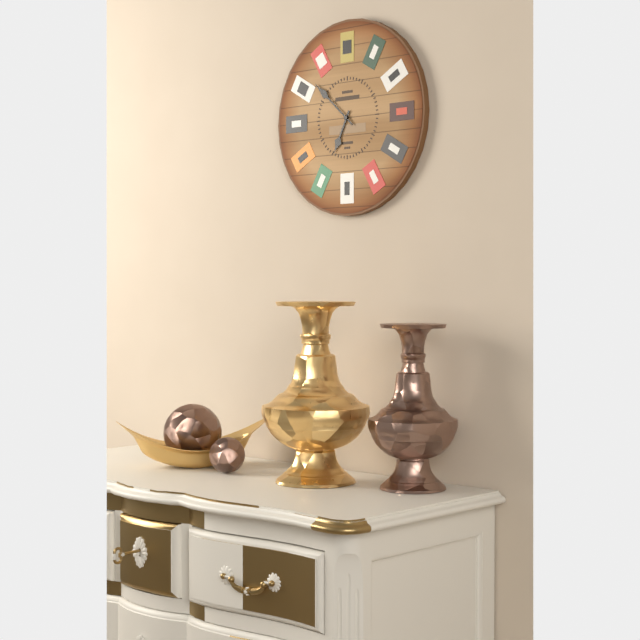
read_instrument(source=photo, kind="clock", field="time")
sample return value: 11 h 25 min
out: 6 h 52 min
